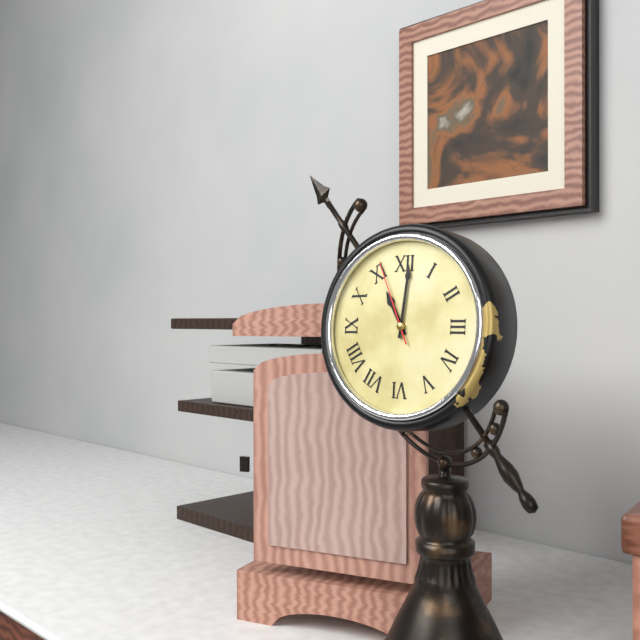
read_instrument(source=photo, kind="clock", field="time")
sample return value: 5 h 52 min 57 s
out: 11 h 01 min 56 s
